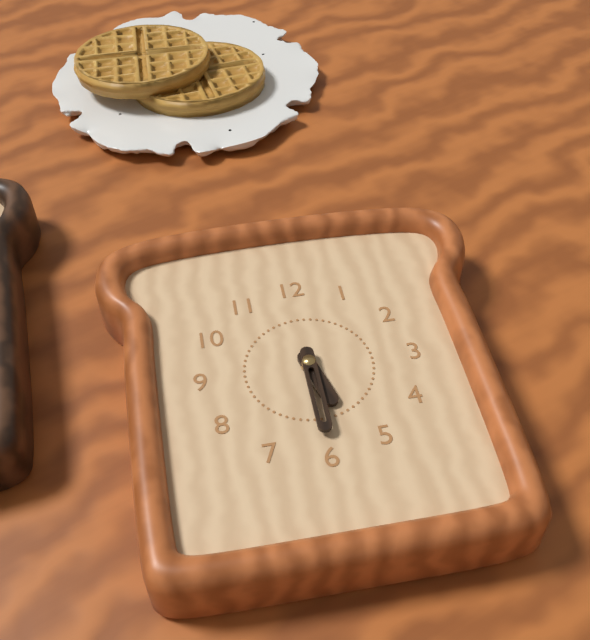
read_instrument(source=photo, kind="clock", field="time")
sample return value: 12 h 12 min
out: 5 h 30 min
